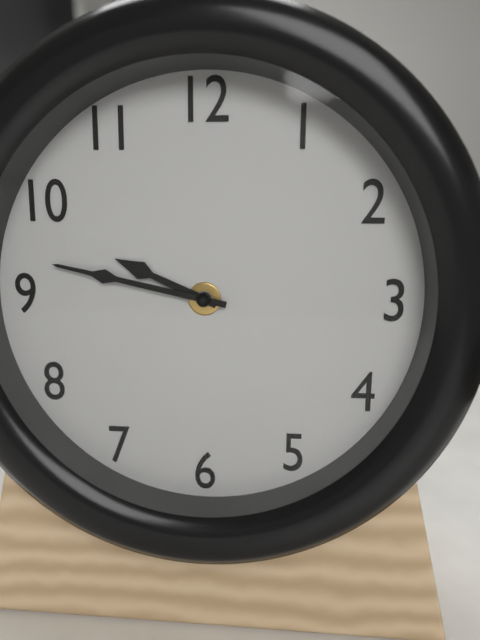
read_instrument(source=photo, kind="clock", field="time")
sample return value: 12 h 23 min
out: 9 h 47 min
